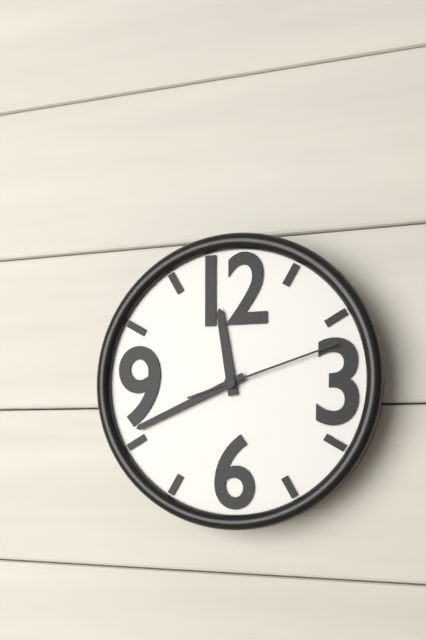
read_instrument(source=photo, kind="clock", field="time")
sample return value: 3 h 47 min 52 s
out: 11 h 41 min 12 s
